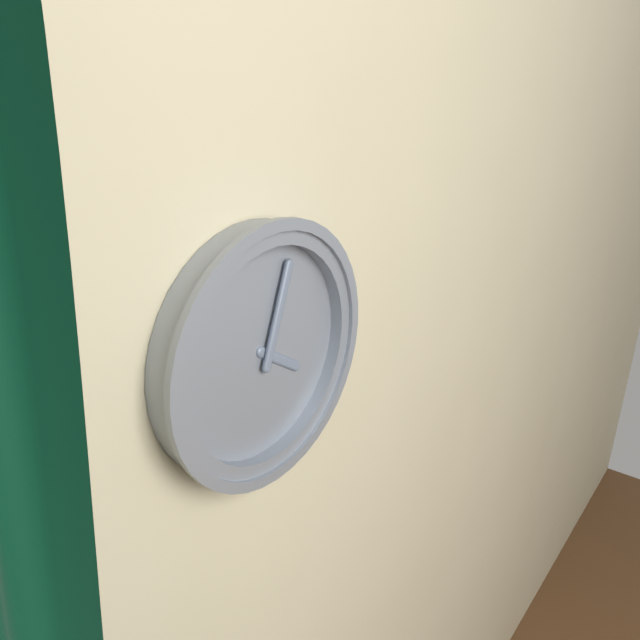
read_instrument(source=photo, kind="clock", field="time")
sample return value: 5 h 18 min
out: 4 h 03 min
